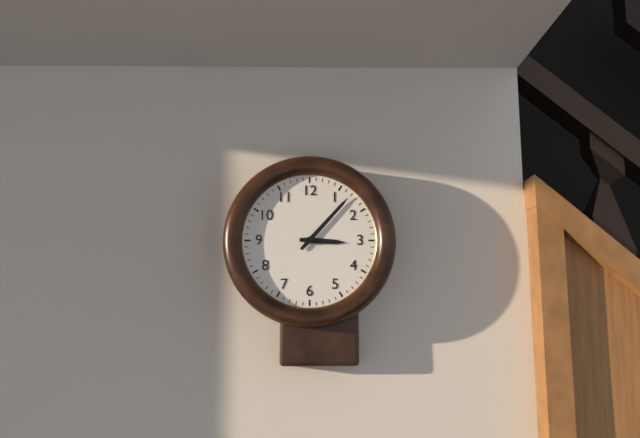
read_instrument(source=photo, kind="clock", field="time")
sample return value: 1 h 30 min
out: 3 h 07 min
